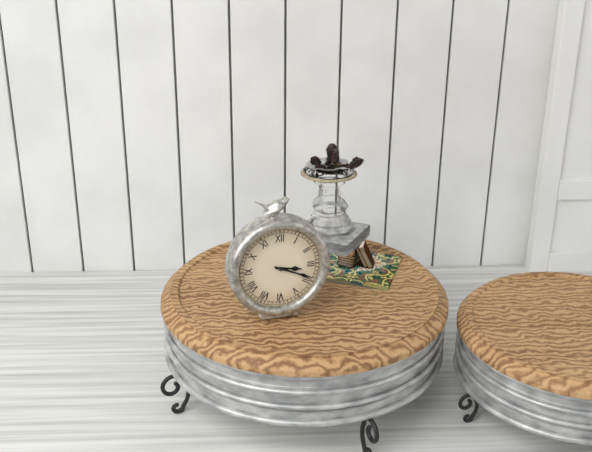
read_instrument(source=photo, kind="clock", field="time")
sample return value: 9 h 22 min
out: 3 h 19 min
